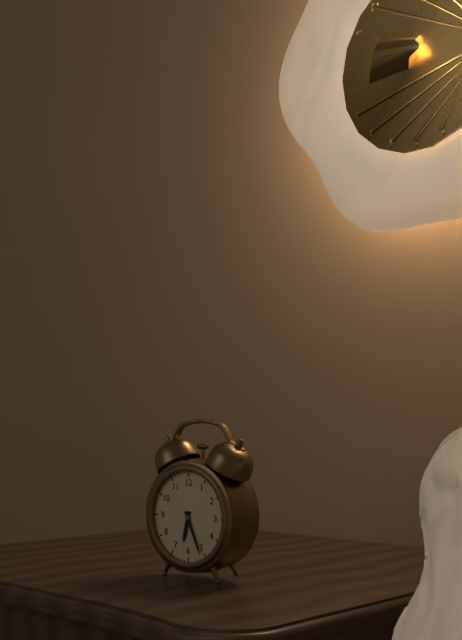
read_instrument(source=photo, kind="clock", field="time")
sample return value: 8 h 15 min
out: 6 h 26 min
